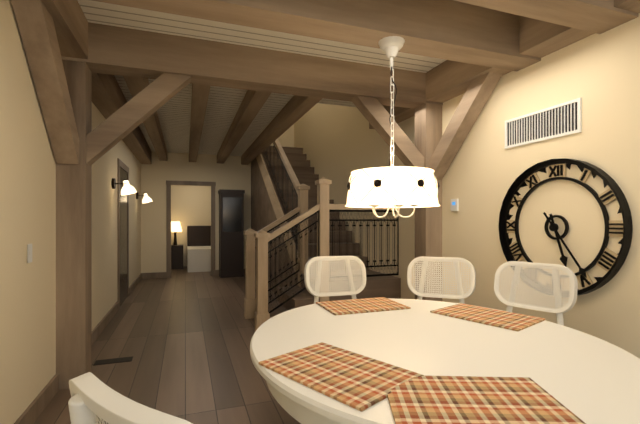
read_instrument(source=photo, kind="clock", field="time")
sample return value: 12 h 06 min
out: 5 h 24 min
